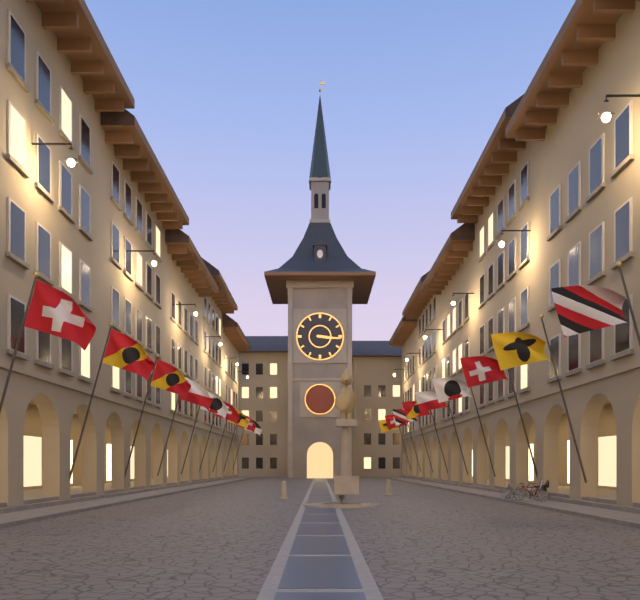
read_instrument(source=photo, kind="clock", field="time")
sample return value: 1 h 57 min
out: 3 h 16 min
